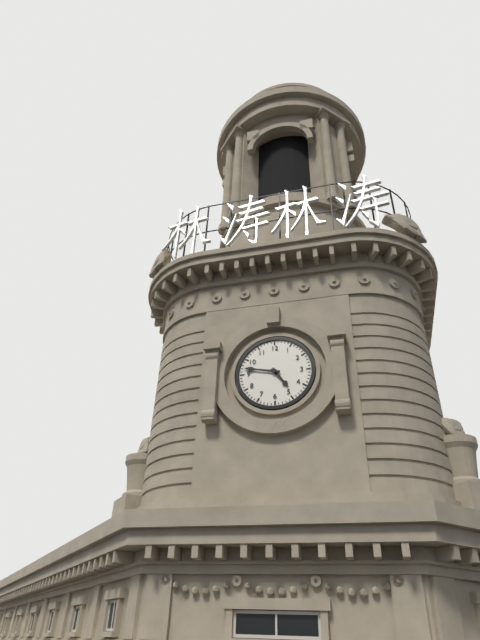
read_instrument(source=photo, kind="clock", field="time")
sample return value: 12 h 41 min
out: 4 h 47 min
